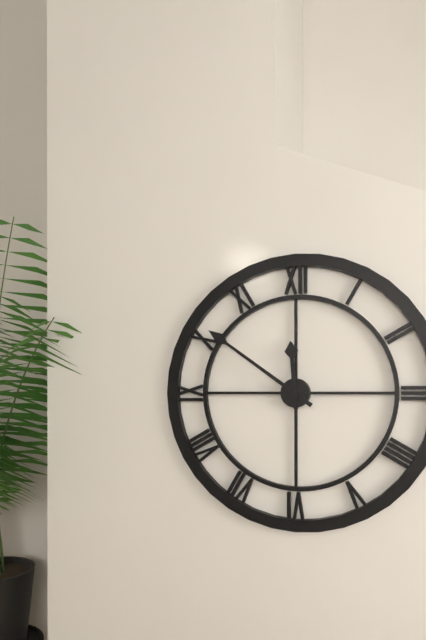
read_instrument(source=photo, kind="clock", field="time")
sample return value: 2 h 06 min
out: 11 h 51 min
